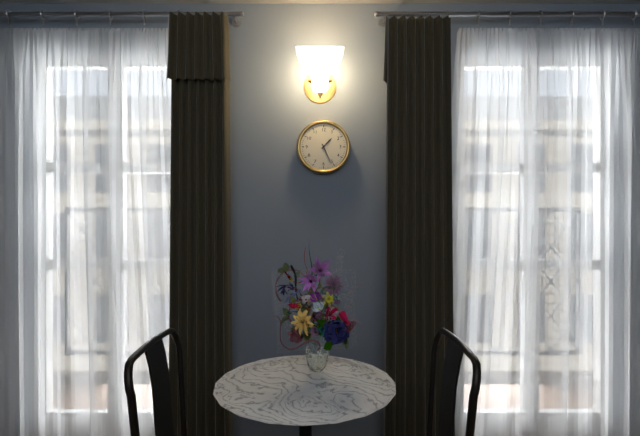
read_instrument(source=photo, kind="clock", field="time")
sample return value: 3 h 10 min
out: 1 h 26 min
